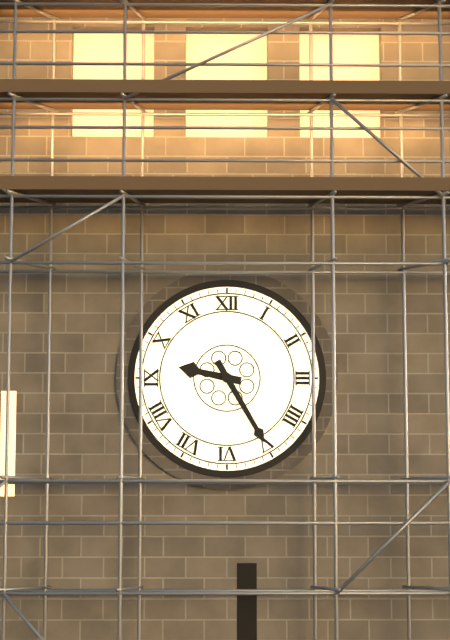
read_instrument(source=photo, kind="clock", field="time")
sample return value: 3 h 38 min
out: 9 h 25 min
